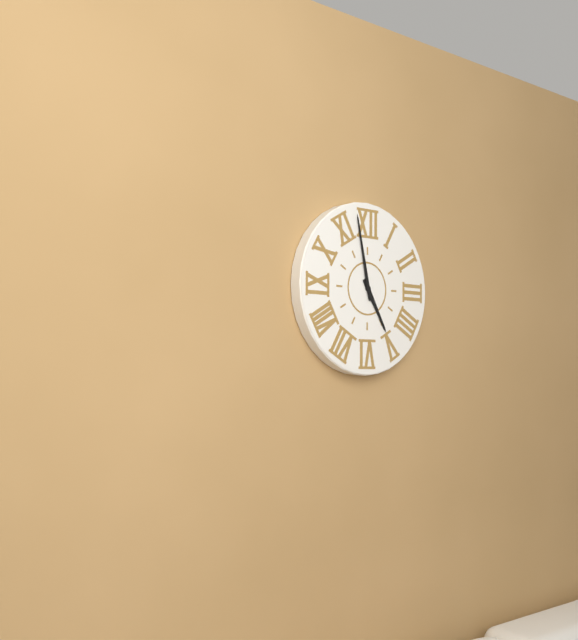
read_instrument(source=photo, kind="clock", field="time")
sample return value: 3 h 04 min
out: 4 h 58 min
